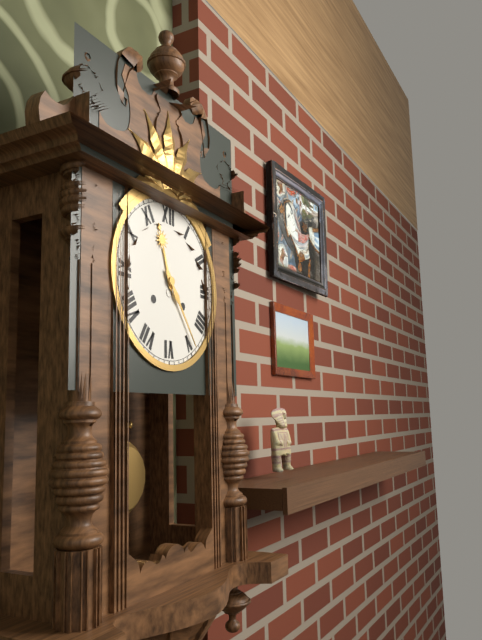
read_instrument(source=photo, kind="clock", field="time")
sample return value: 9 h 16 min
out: 11 h 24 min
